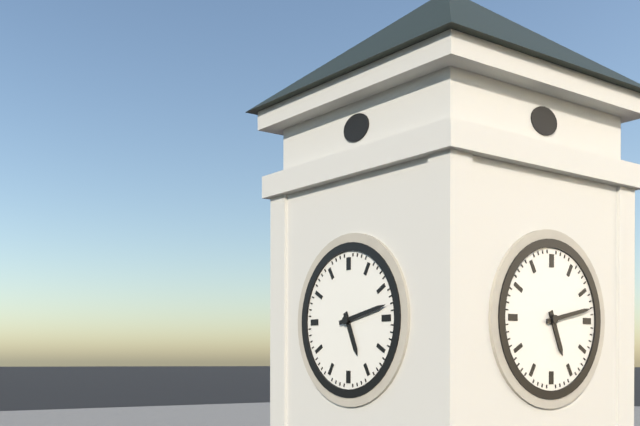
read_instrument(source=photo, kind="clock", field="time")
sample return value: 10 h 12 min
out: 5 h 13 min
